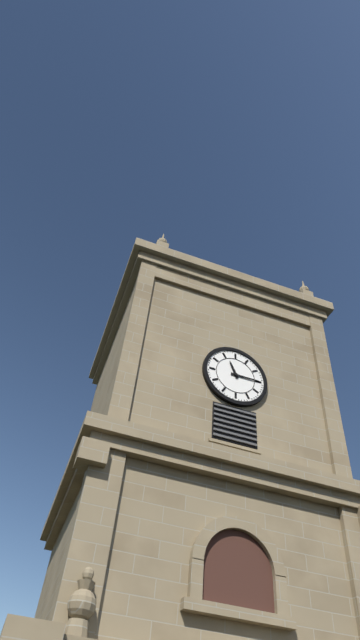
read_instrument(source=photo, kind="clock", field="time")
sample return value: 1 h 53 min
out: 11 h 15 min
